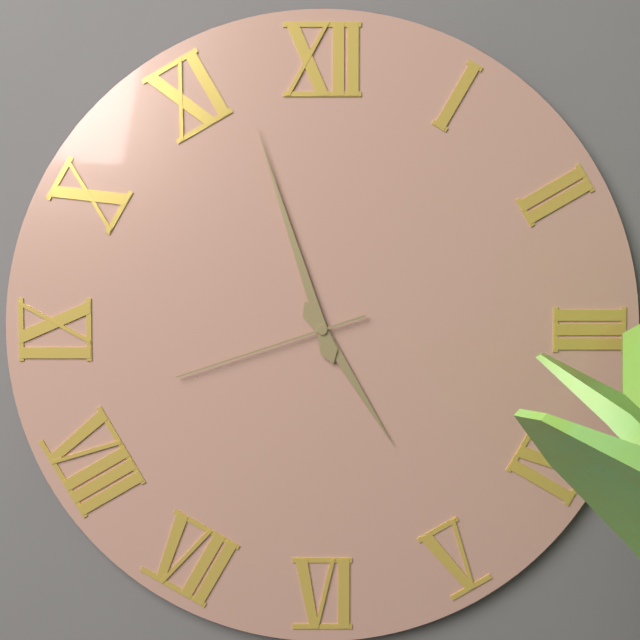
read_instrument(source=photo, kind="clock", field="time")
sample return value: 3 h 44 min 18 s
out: 4 h 57 min 42 s
